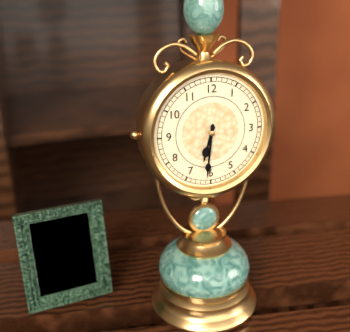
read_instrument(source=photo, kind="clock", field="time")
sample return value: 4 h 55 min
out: 6 h 31 min
